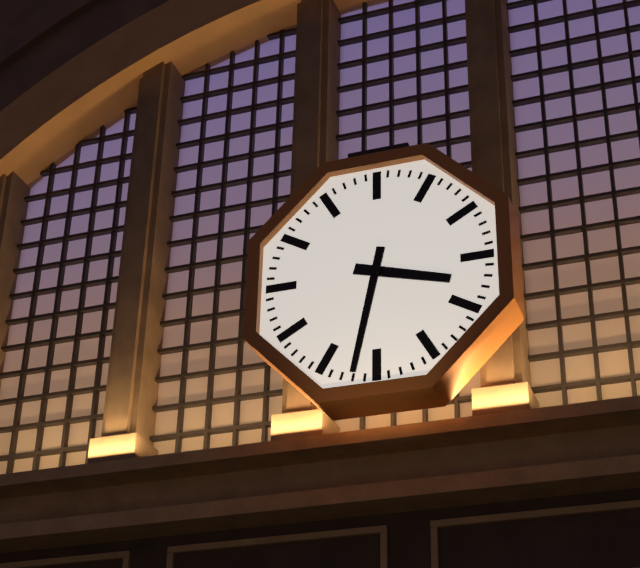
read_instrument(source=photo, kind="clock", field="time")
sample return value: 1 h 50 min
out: 3 h 32 min
